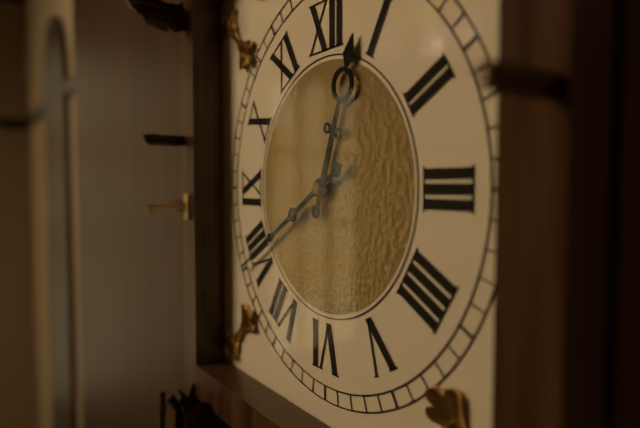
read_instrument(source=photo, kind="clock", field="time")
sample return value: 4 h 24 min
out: 12 h 40 min
